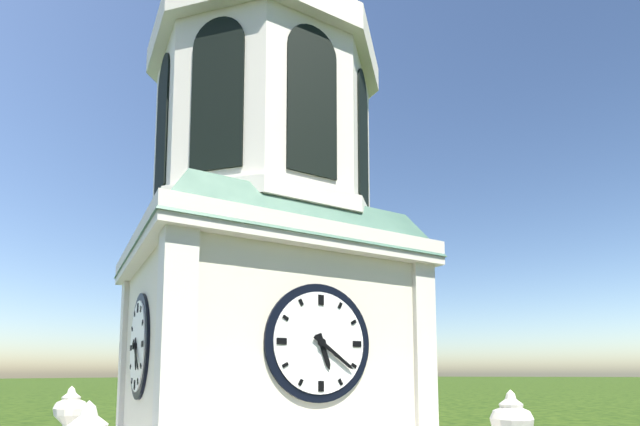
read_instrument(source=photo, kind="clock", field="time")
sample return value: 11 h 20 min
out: 5 h 21 min
